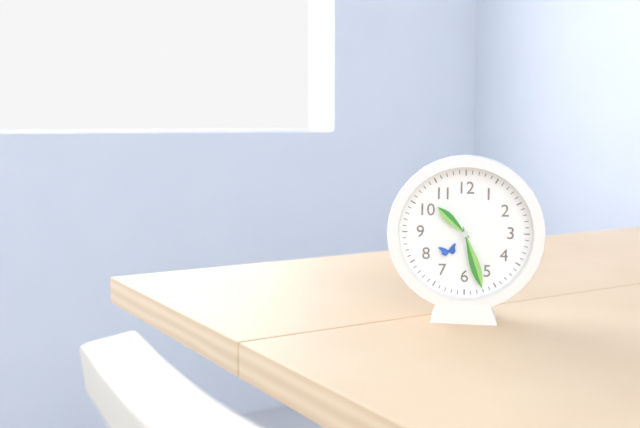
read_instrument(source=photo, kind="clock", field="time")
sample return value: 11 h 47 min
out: 10 h 27 min
